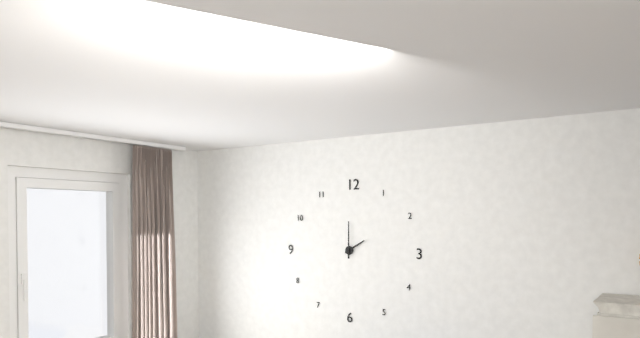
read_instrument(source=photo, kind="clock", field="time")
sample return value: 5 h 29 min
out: 2 h 00 min
